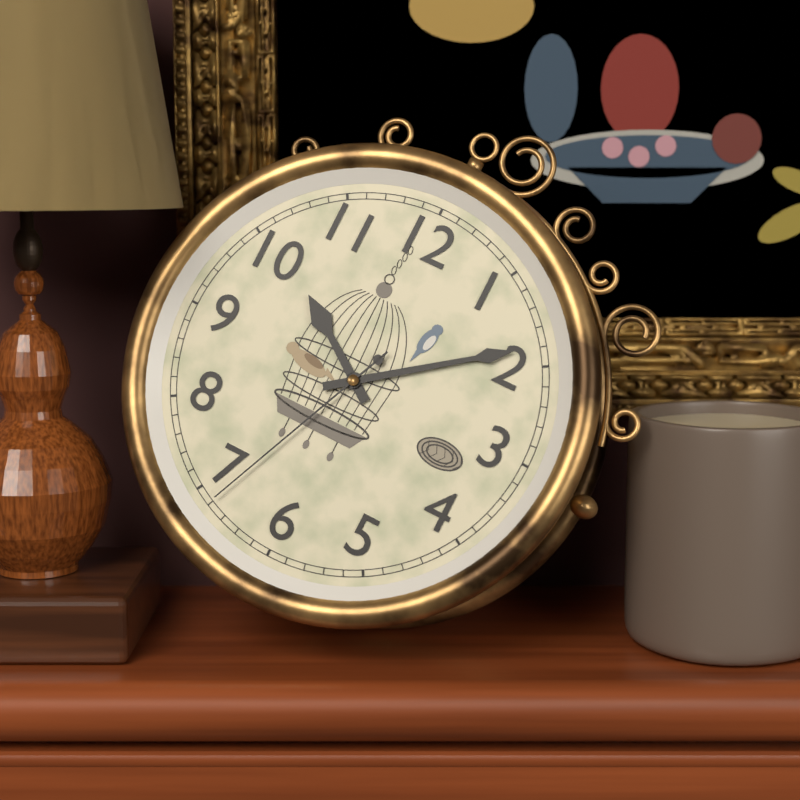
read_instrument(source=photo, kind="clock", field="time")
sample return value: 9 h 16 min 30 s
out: 10 h 09 min 34 s
